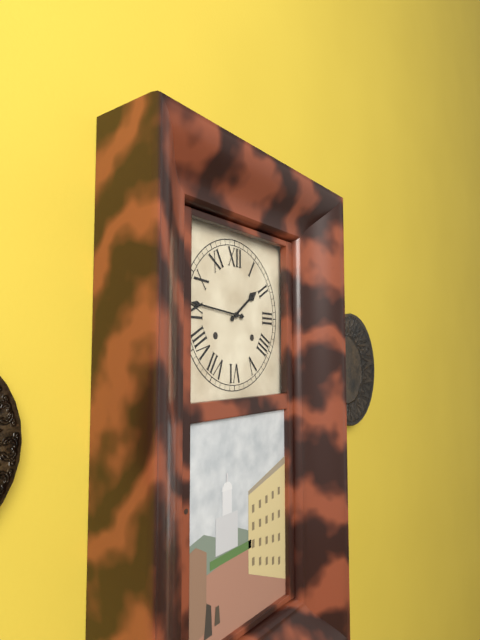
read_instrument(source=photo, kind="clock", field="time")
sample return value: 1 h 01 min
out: 1 h 46 min
